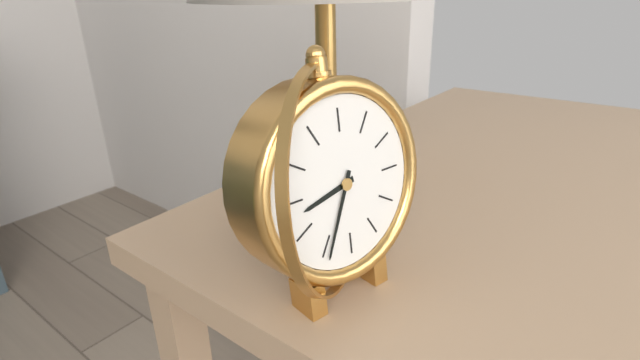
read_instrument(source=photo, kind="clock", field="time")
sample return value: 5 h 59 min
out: 8 h 34 min
